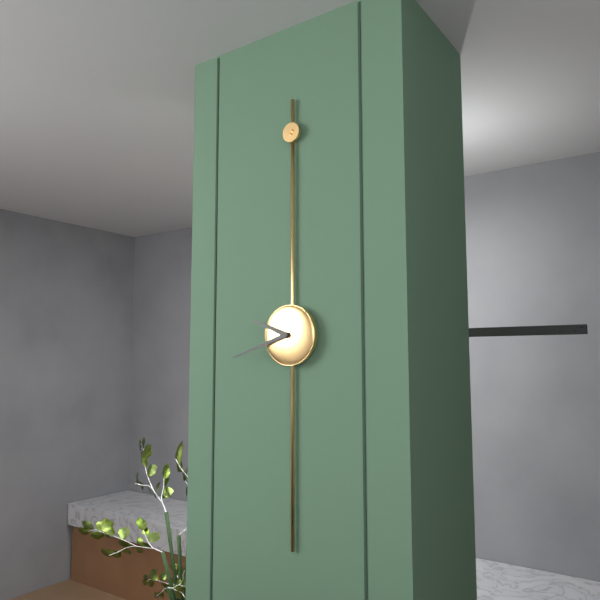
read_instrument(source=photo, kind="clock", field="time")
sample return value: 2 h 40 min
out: 9 h 42 min
